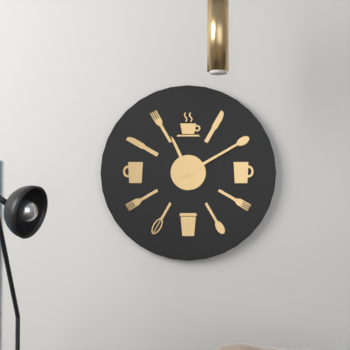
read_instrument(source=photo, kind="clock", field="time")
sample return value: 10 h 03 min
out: 11 h 10 min
